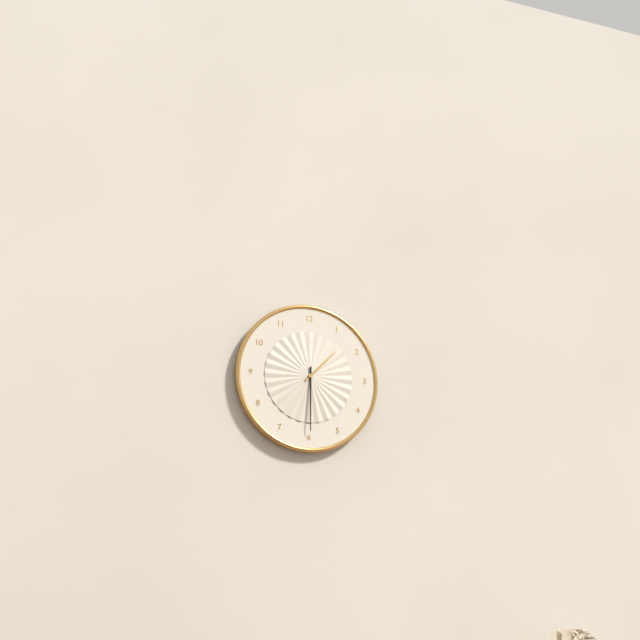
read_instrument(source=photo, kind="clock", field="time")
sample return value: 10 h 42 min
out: 1 h 30 min
